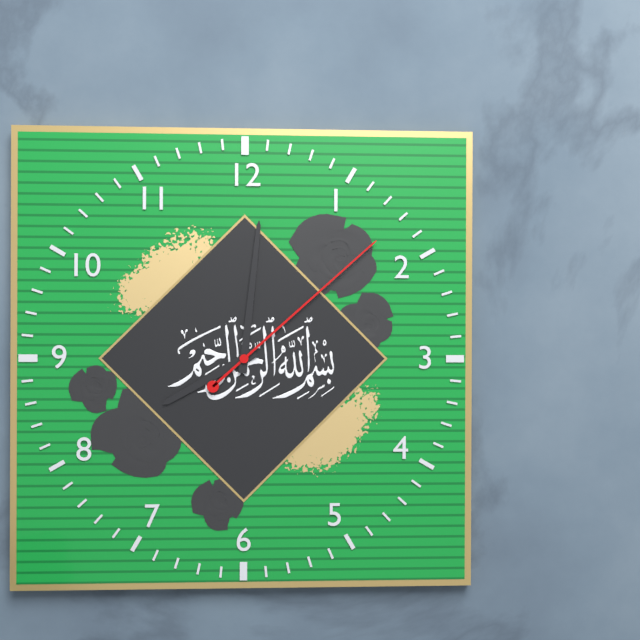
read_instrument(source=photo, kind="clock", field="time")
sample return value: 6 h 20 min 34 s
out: 8 h 01 min 08 s
